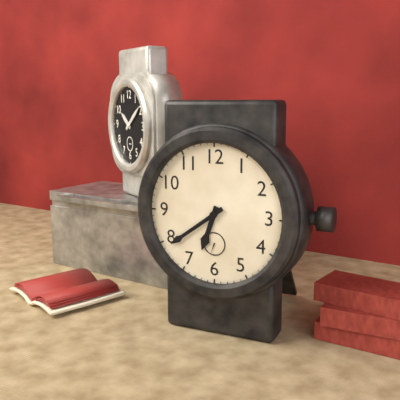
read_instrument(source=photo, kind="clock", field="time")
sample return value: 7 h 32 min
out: 6 h 39 min
